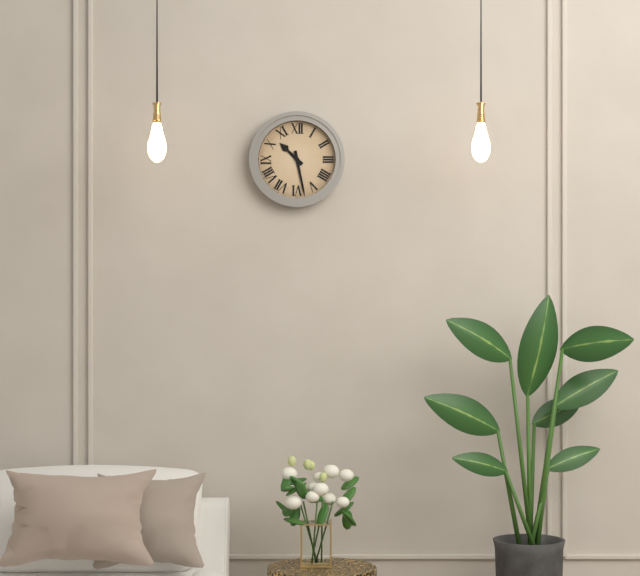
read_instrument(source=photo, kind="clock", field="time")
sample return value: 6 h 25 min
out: 10 h 28 min
